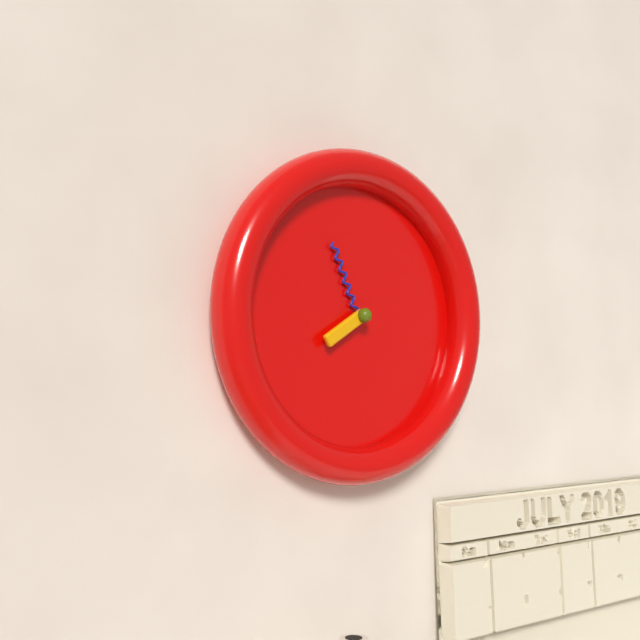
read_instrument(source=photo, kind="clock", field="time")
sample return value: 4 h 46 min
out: 7 h 56 min
